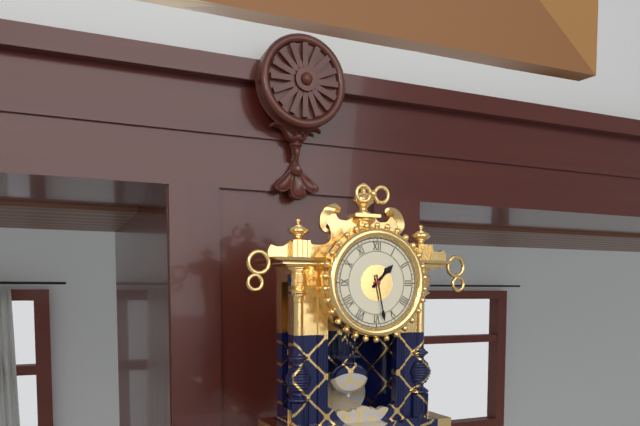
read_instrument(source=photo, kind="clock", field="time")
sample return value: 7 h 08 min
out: 1 h 28 min
